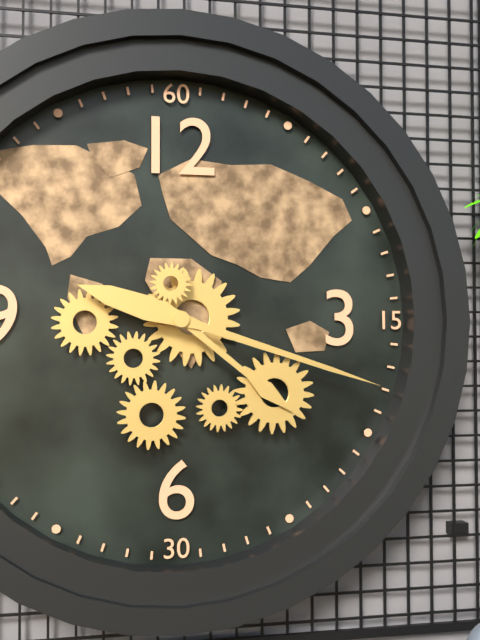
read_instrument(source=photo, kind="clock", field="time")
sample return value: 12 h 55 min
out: 4 h 18 min
